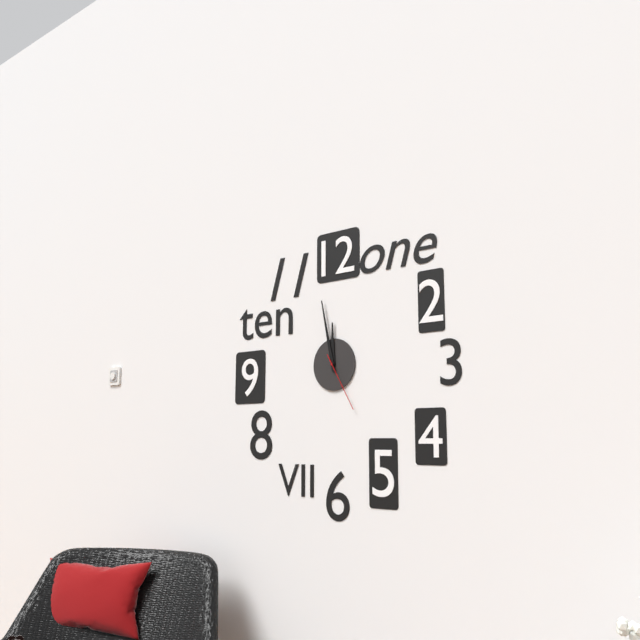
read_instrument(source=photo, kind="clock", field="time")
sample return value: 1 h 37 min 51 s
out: 11 h 58 min 25 s
